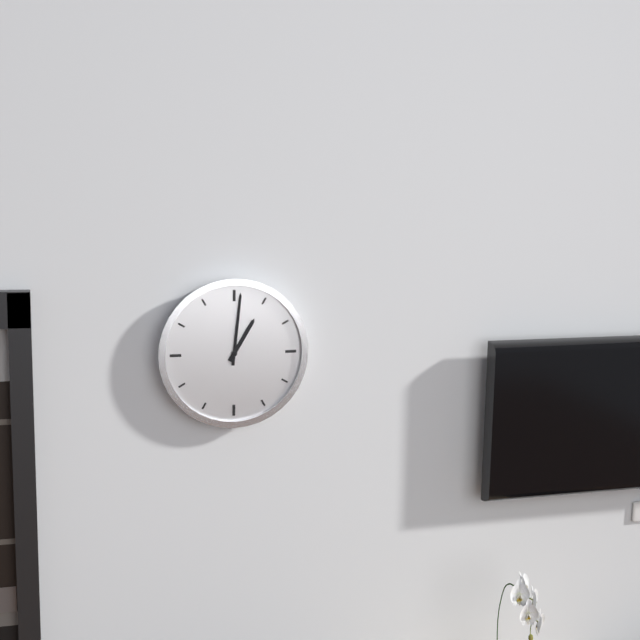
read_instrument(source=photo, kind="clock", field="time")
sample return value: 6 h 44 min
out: 1 h 01 min
